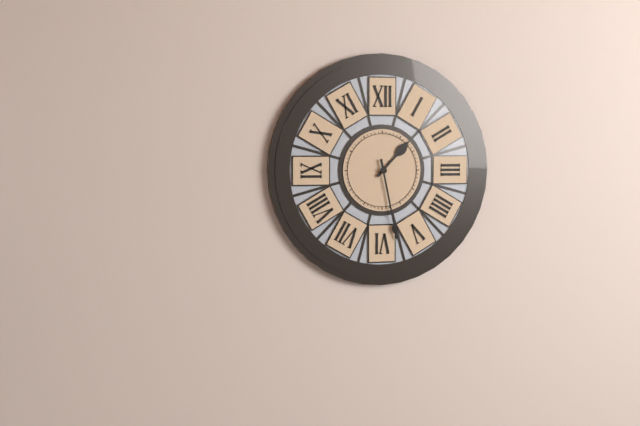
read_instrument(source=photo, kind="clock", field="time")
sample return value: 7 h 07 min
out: 1 h 28 min
